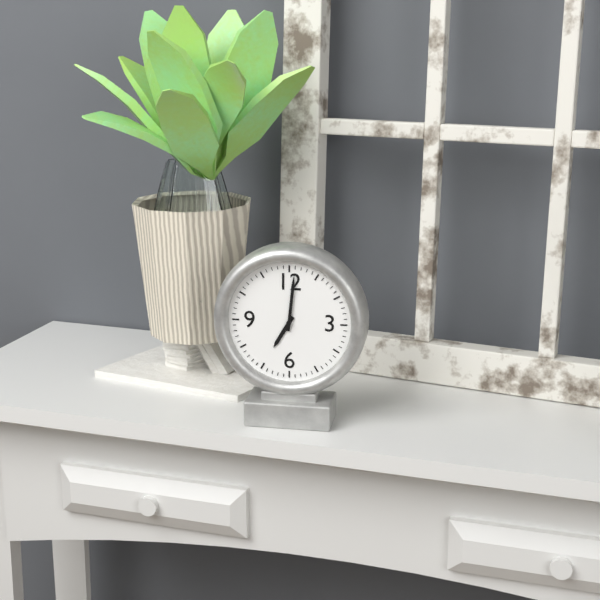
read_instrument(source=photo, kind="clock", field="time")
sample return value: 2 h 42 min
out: 7 h 01 min
